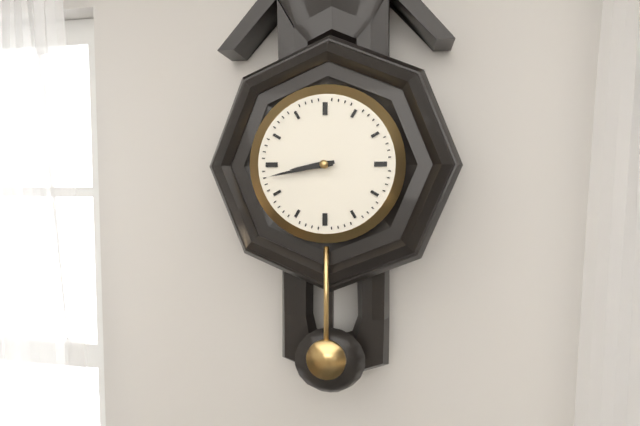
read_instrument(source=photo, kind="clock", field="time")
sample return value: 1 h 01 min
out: 8 h 43 min
